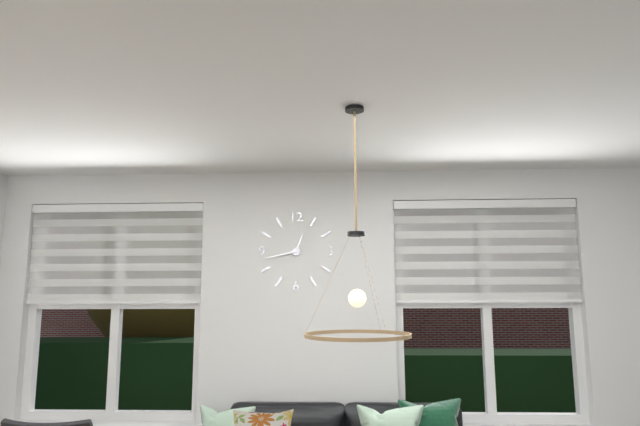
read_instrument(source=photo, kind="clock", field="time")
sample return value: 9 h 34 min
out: 12 h 43 min
